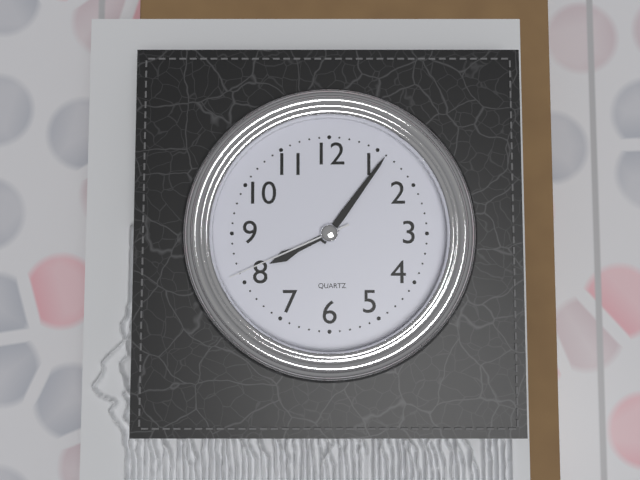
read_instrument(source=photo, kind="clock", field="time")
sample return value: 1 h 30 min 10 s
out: 8 h 06 min 41 s
